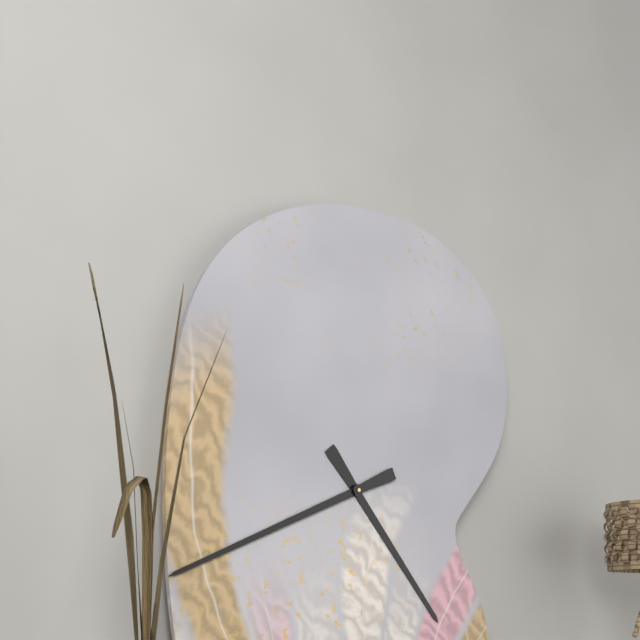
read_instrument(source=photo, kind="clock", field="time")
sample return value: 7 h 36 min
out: 4 h 41 min
